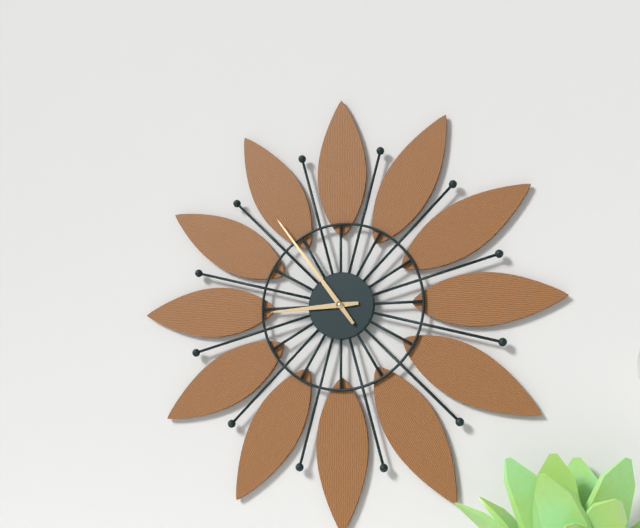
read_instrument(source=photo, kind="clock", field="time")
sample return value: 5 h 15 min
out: 8 h 54 min
